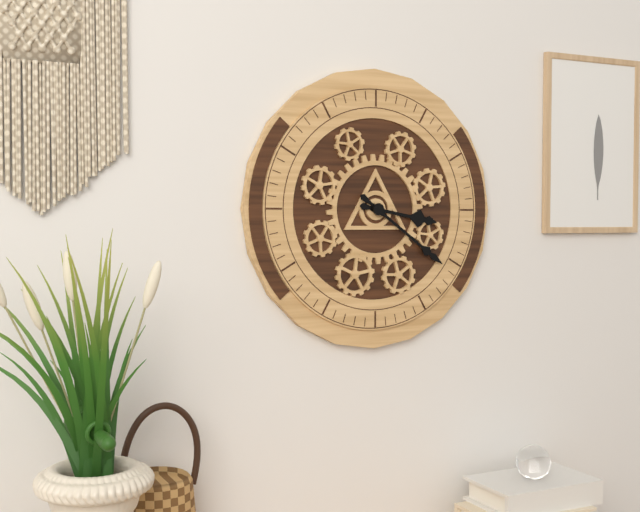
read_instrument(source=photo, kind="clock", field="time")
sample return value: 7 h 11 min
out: 3 h 21 min
